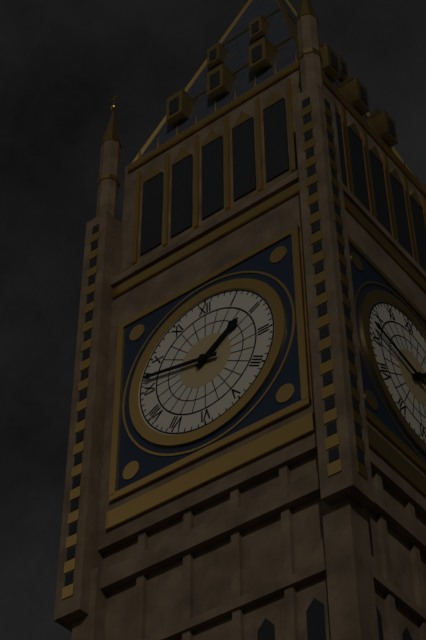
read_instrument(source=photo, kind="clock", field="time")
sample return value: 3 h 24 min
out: 1 h 47 min
